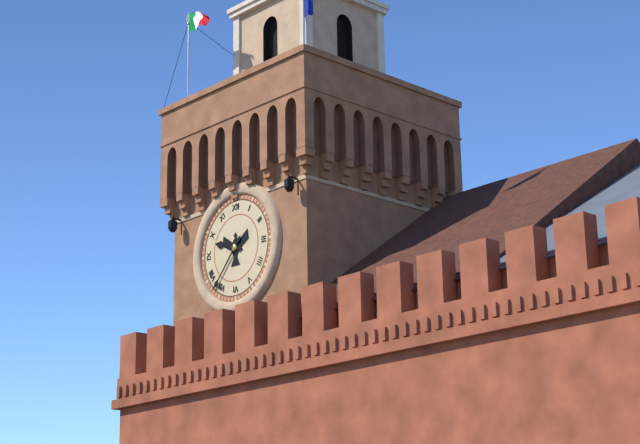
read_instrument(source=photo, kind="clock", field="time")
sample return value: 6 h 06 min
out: 9 h 37 min
